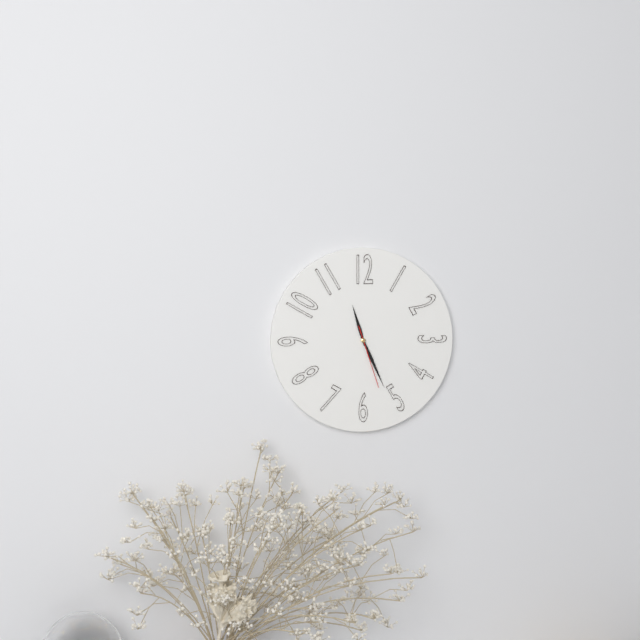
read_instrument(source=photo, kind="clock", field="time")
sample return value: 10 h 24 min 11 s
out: 11 h 26 min 27 s
